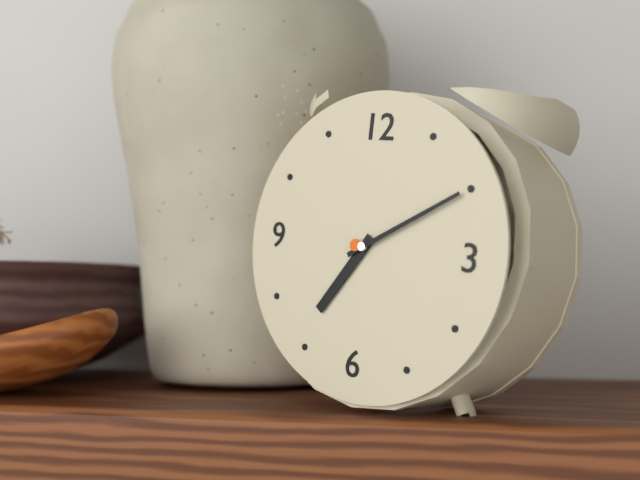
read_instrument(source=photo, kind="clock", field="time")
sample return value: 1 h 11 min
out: 7 h 10 min
